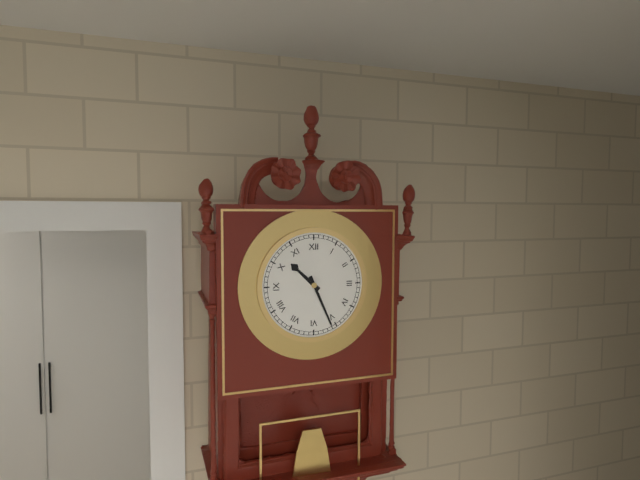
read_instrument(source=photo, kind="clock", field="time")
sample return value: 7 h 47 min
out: 10 h 26 min
